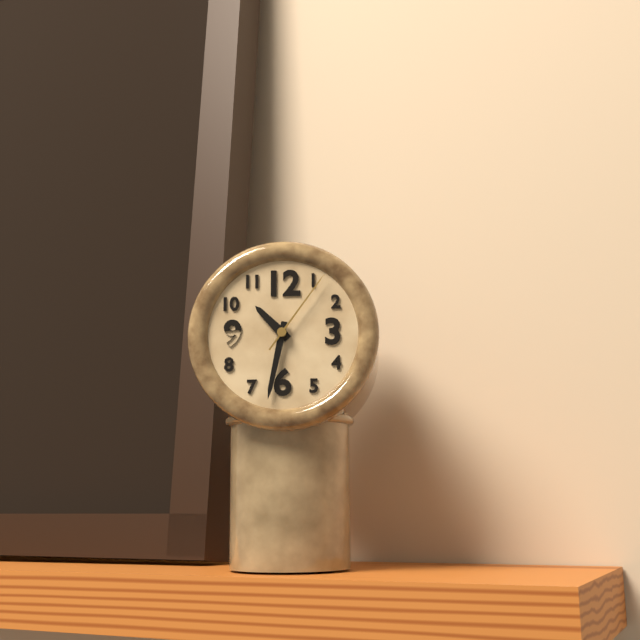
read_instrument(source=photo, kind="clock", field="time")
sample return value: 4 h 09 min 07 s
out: 10 h 32 min 06 s
